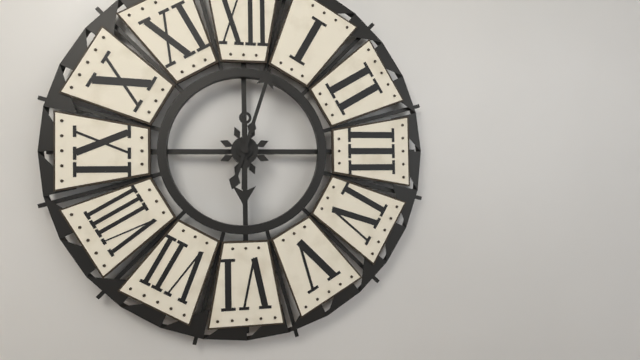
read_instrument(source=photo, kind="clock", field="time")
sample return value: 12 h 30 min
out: 6 h 03 min
